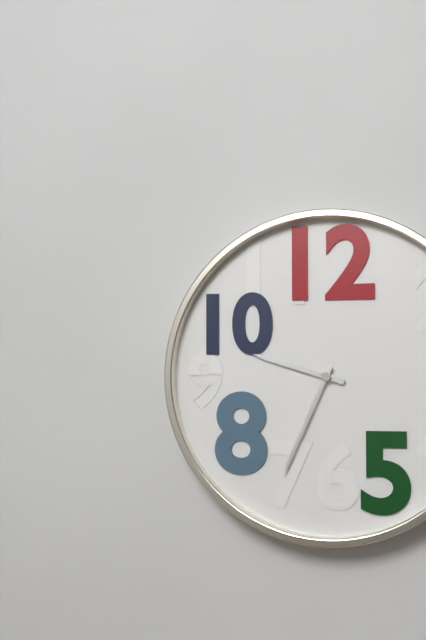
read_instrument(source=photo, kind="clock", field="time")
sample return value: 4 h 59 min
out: 9 h 34 min
